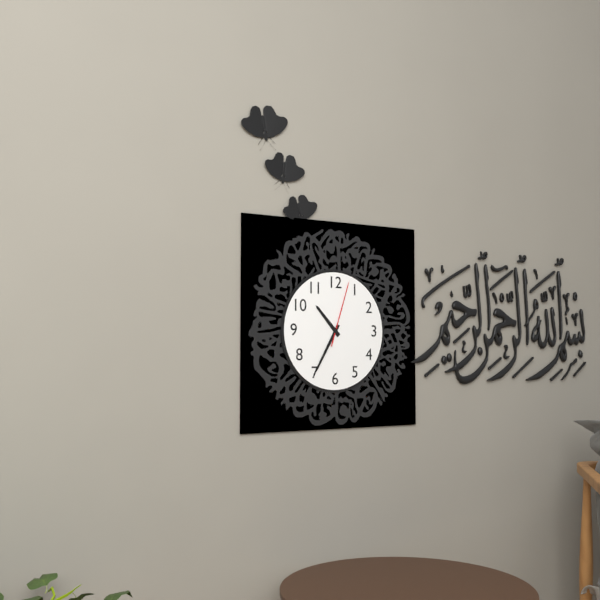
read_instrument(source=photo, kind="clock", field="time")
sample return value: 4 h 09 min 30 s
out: 10 h 35 min 03 s
